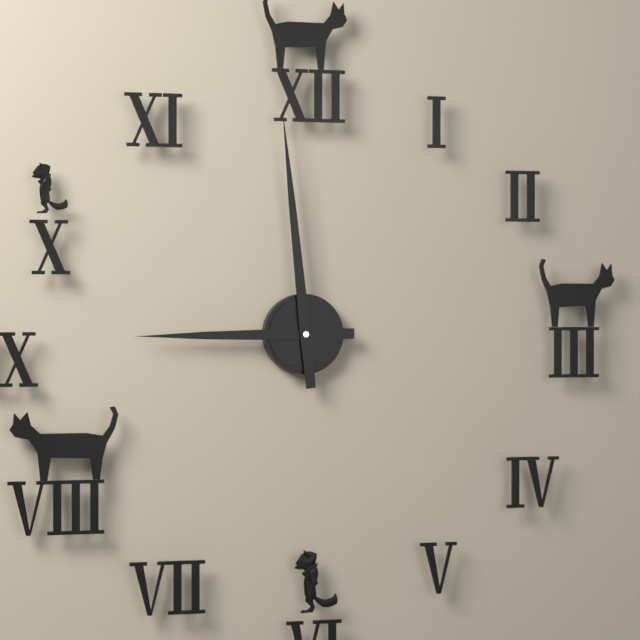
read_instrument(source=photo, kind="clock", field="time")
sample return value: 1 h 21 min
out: 8 h 59 min
